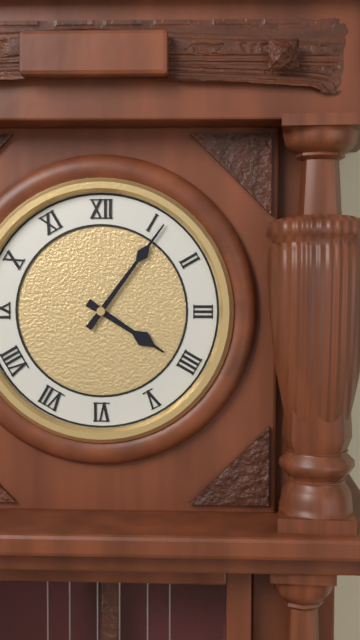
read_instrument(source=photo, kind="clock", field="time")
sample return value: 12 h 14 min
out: 4 h 06 min
